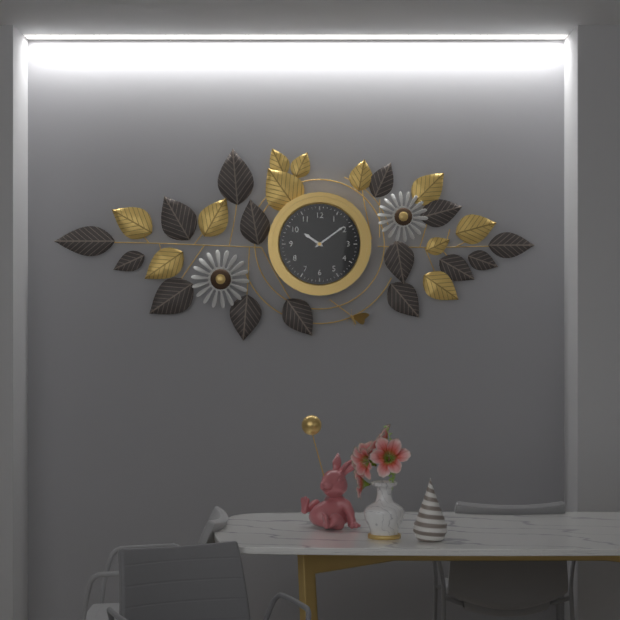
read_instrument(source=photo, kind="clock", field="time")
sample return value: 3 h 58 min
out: 10 h 09 min
